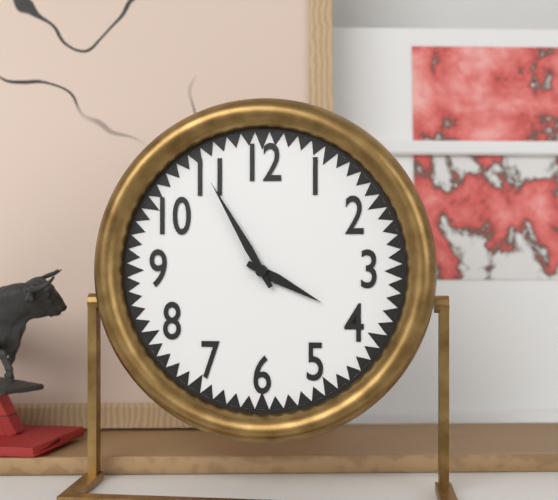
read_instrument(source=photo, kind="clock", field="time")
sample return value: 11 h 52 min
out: 3 h 55 min
